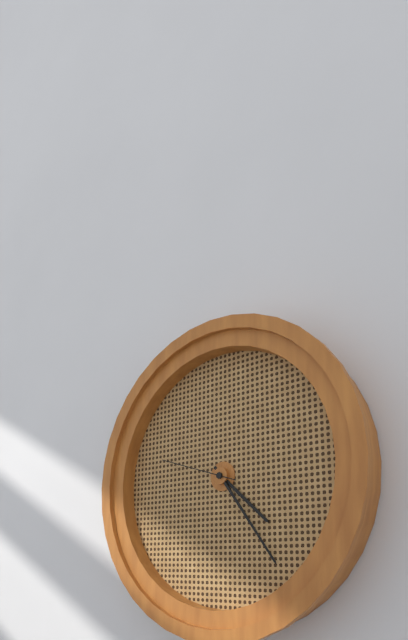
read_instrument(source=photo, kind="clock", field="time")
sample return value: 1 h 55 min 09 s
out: 4 h 24 min 48 s
